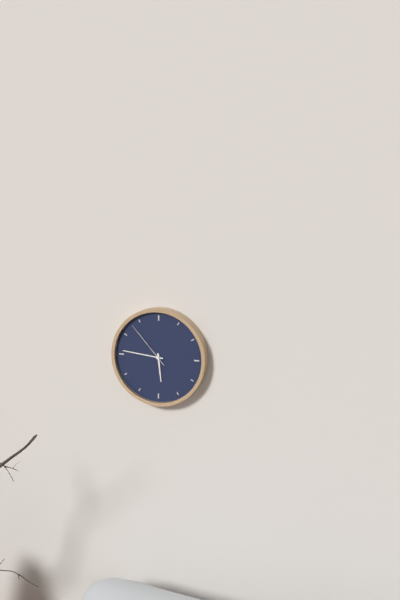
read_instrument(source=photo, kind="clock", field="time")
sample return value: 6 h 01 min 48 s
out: 5 h 46 min 53 s
